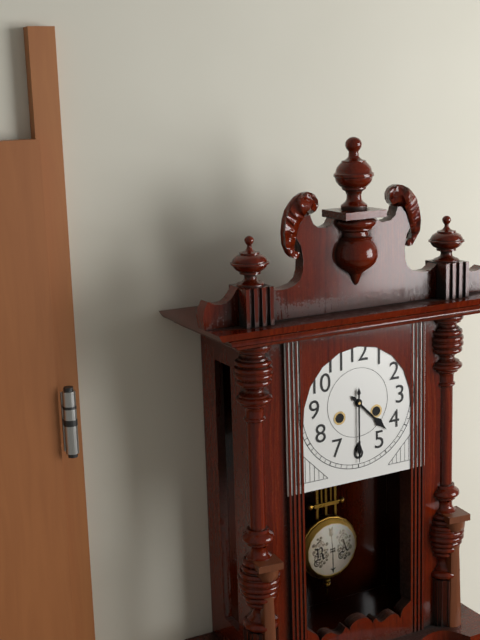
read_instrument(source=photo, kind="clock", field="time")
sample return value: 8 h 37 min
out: 4 h 30 min
